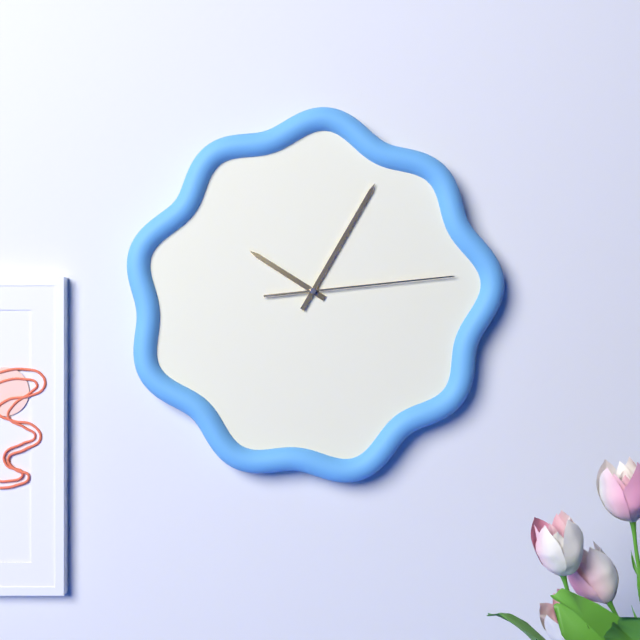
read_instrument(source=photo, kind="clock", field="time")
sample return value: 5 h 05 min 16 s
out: 10 h 05 min 14 s
